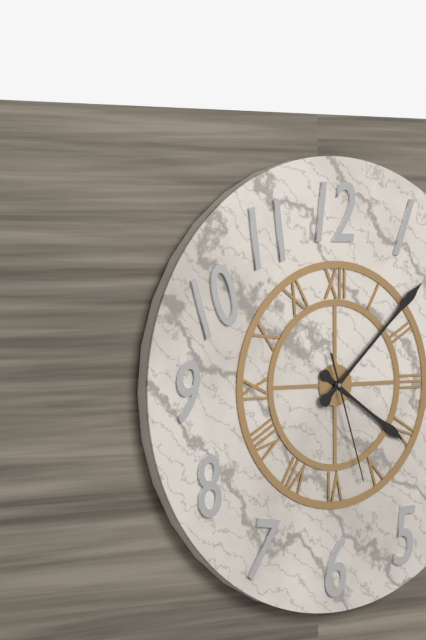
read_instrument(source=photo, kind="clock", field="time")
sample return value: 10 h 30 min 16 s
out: 4 h 08 min 27 s
